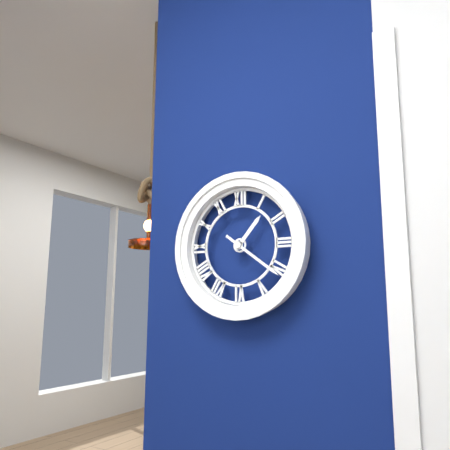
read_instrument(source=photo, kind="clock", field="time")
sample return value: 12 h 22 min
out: 1 h 21 min
